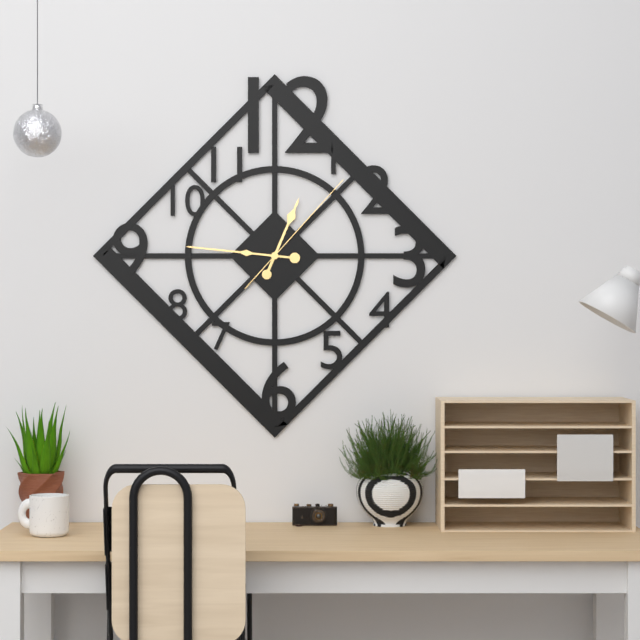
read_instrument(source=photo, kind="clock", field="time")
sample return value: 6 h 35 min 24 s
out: 12 h 46 min 07 s
